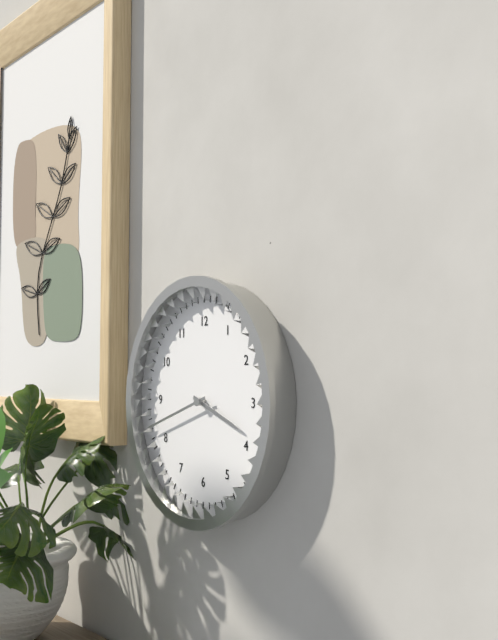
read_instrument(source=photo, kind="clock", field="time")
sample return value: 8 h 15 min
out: 3 h 42 min
